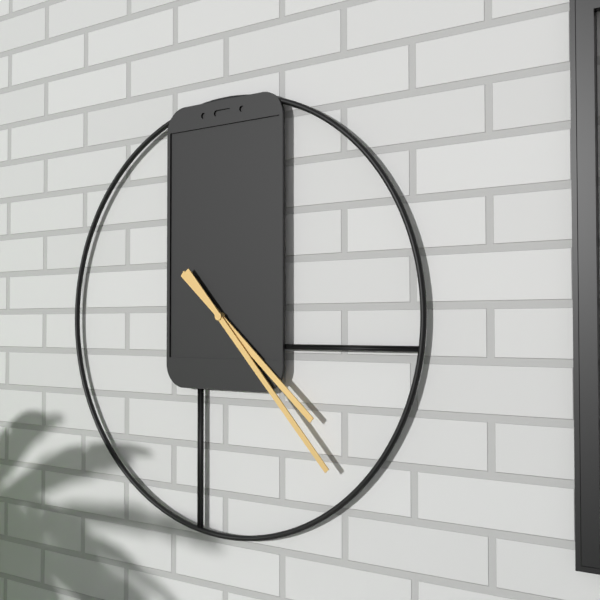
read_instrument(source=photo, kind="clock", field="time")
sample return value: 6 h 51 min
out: 4 h 23 min
